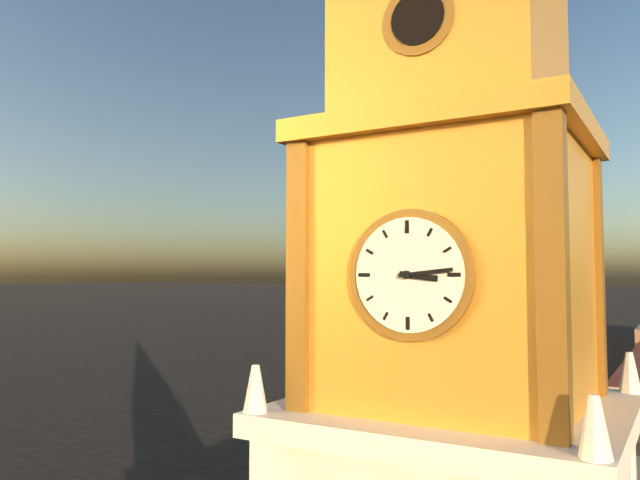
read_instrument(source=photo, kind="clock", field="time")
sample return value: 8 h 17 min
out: 3 h 14 min
